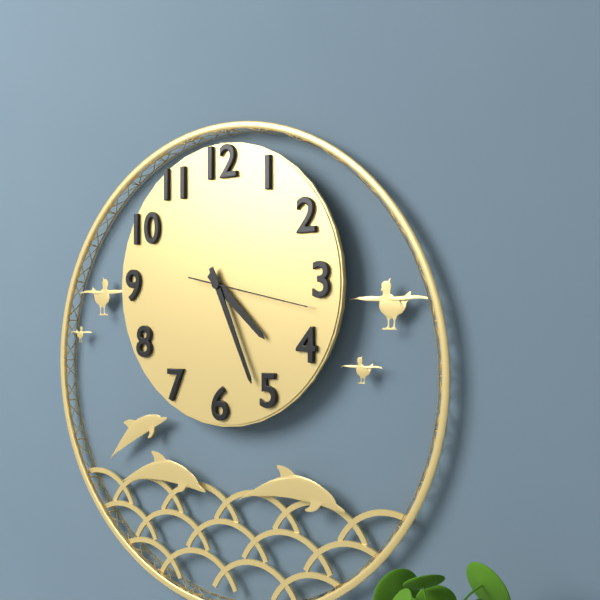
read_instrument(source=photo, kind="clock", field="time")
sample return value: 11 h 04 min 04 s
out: 4 h 26 min 17 s
